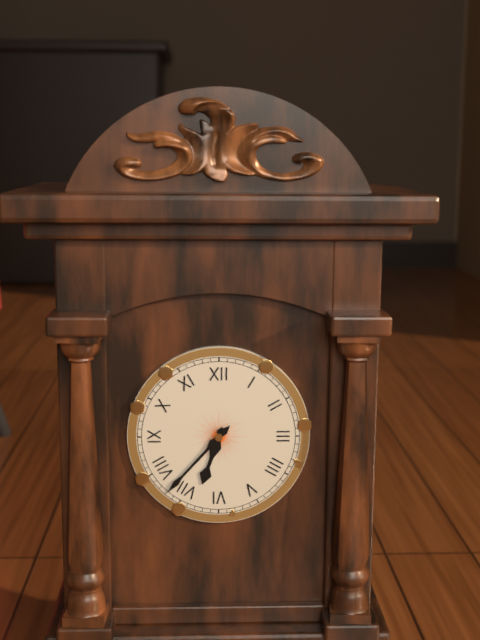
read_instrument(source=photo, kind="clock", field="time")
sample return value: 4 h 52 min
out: 6 h 37 min
